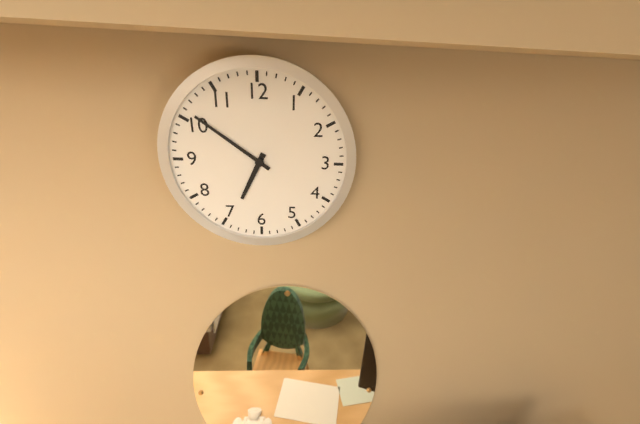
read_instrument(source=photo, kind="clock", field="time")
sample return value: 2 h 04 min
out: 6 h 51 min
